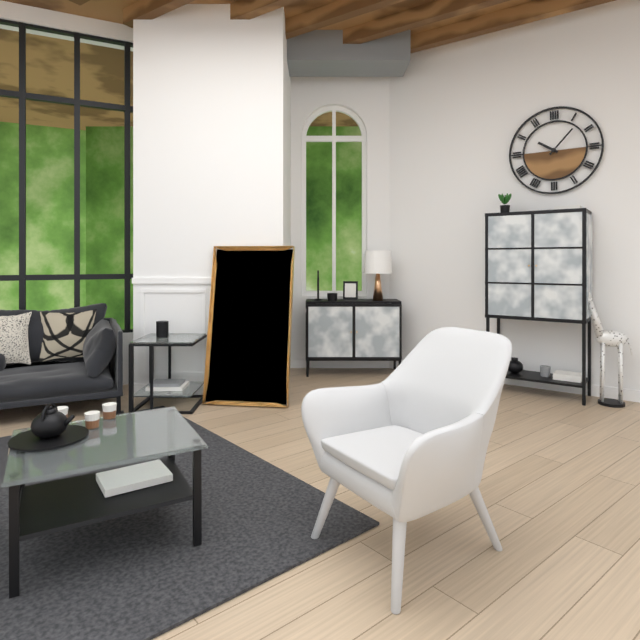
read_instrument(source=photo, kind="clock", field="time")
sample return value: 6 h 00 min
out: 10 h 07 min
